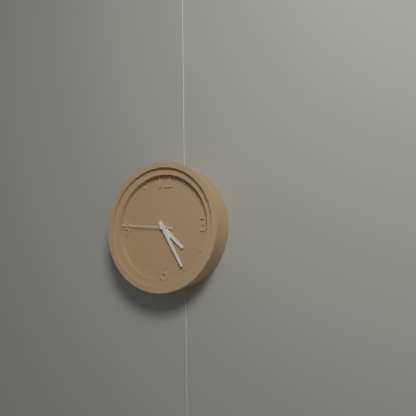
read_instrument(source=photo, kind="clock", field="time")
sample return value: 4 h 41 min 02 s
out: 4 h 25 min 46 s
